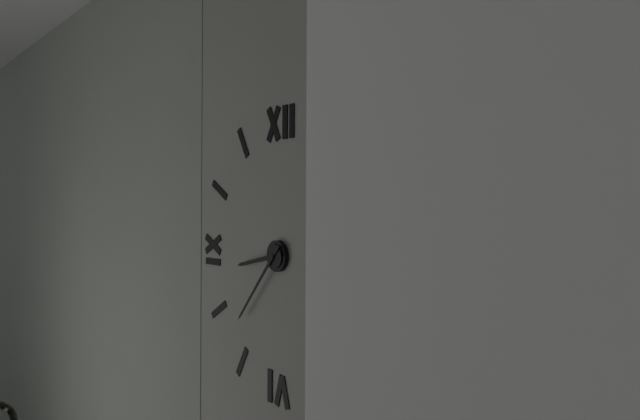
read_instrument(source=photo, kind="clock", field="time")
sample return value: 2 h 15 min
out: 8 h 37 min
